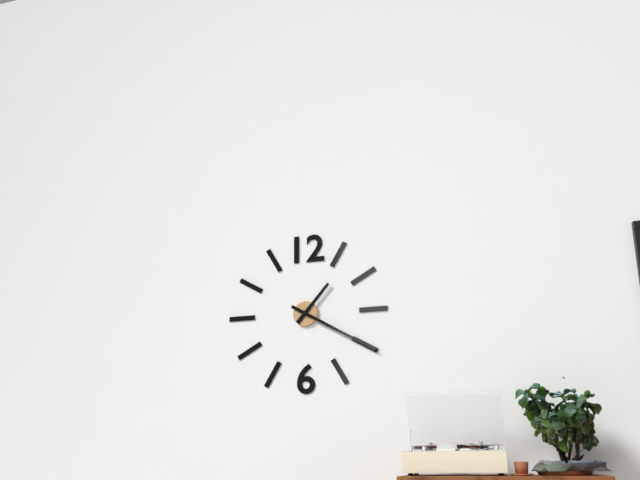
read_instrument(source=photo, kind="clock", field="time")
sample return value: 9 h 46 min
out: 1 h 20 min
